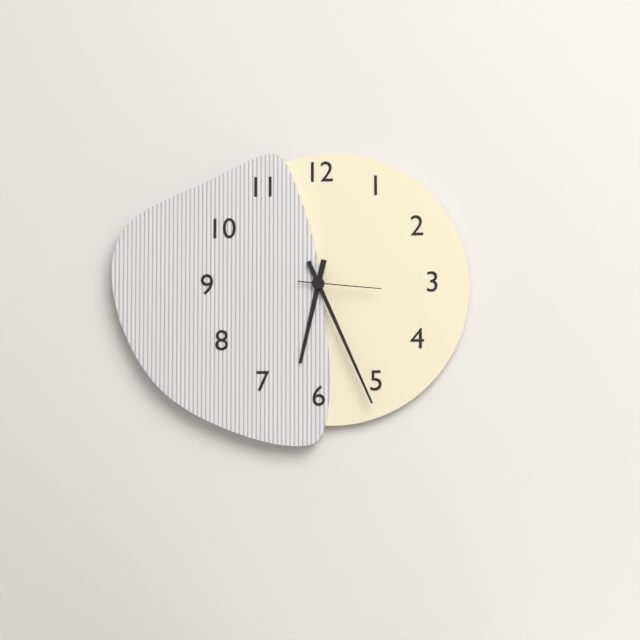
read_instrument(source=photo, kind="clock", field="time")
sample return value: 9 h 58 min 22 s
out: 6 h 26 min 16 s
